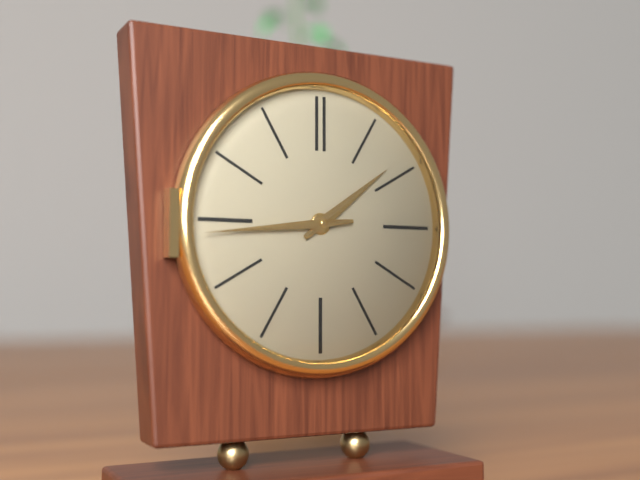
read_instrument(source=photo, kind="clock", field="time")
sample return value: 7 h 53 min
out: 1 h 44 min
